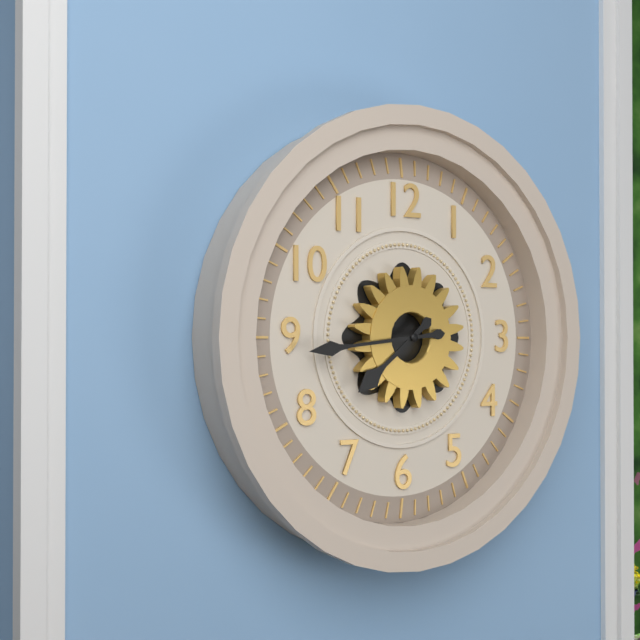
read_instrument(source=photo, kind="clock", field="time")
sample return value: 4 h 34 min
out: 7 h 44 min
